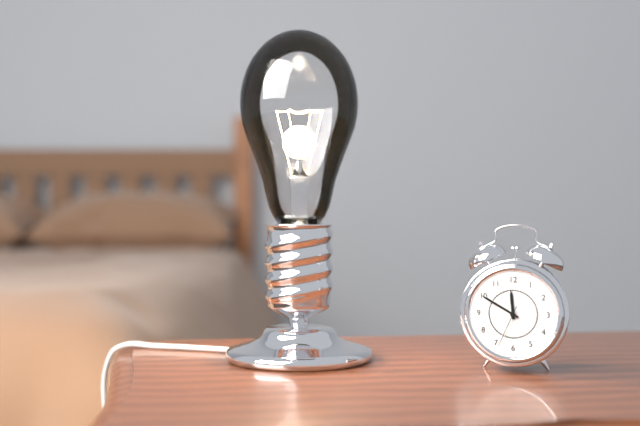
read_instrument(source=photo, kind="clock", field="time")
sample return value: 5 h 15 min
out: 11 h 50 min
